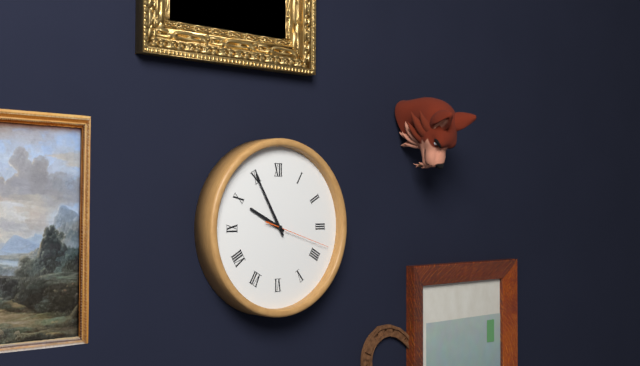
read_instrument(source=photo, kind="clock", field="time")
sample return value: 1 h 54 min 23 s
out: 9 h 55 min 18 s
